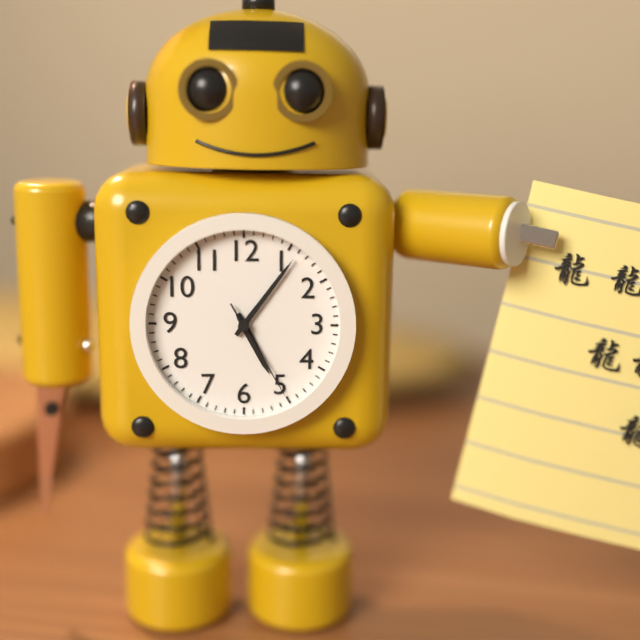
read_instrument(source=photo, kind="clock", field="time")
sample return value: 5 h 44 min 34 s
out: 5 h 06 min 25 s
